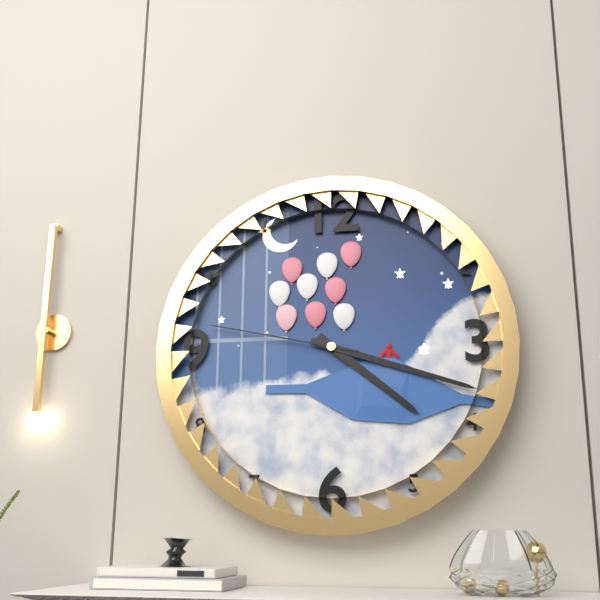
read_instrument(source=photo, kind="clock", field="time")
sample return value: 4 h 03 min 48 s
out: 4 h 18 min 47 s
